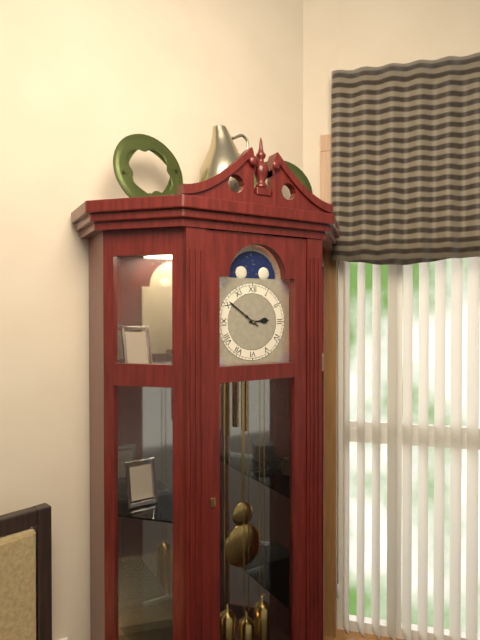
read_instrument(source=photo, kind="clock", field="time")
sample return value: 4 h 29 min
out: 2 h 51 min
